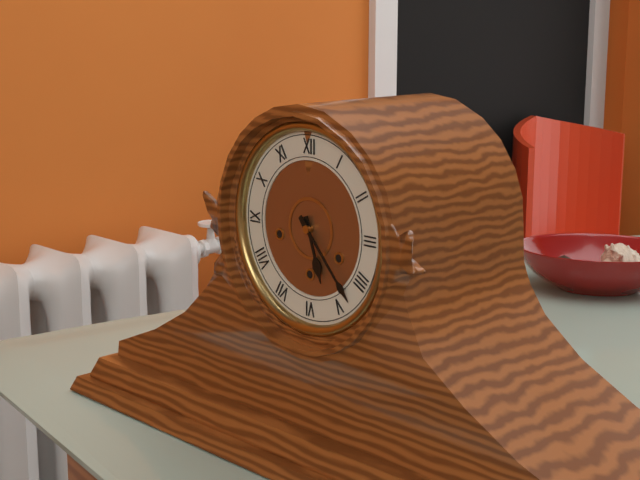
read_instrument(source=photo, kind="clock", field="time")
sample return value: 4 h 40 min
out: 5 h 23 min
